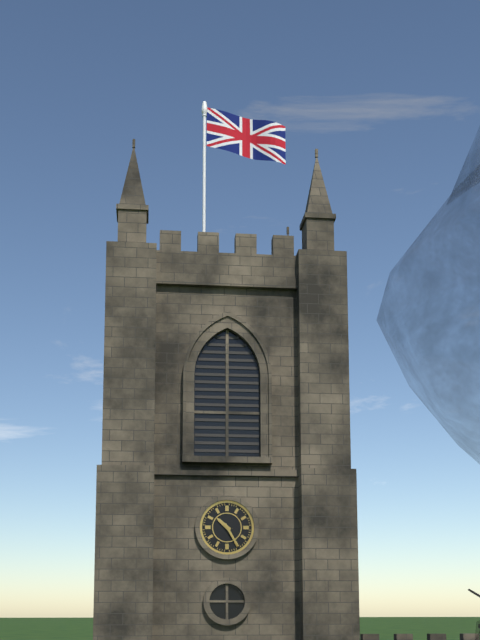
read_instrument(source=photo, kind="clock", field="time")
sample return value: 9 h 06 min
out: 10 h 25 min
